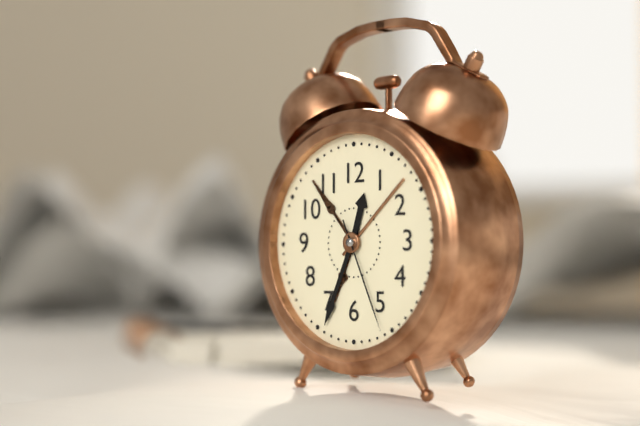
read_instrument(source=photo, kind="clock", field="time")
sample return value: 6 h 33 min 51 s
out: 12 h 34 min 26 s
